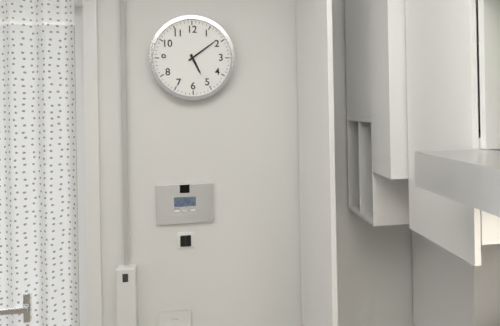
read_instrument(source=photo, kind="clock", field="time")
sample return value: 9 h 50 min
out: 5 h 09 min
